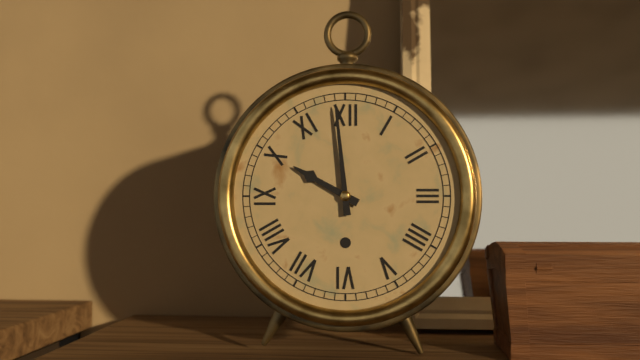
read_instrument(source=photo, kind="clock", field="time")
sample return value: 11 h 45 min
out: 9 h 59 min
